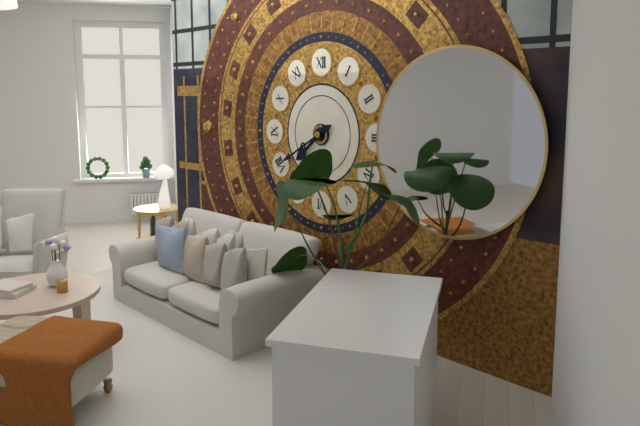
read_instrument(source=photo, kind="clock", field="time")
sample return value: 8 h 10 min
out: 7 h 40 min
